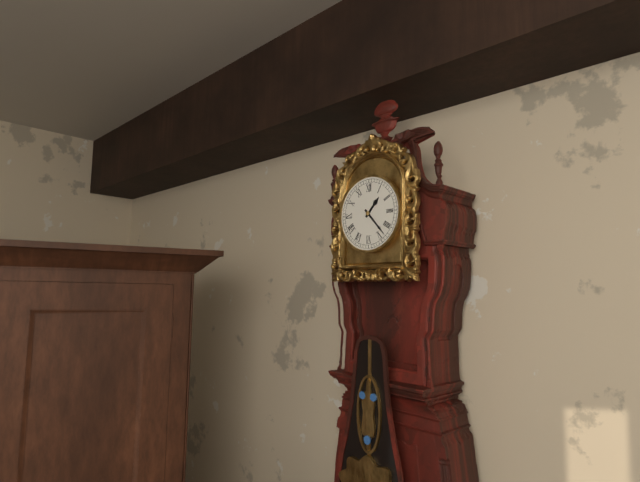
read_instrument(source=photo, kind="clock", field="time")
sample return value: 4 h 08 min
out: 1 h 23 min
